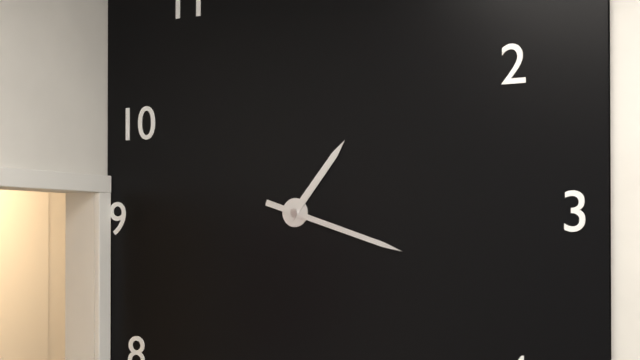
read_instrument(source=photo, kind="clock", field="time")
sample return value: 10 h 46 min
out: 1 h 18 min
